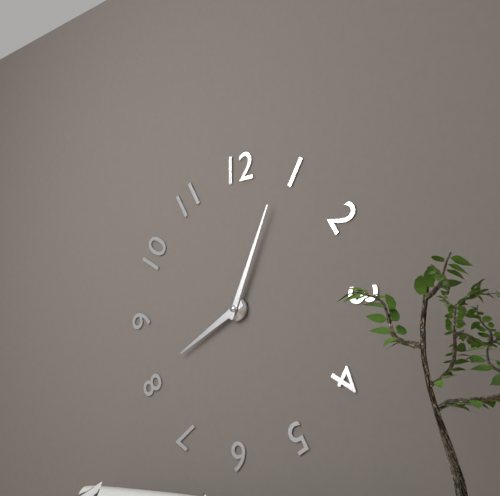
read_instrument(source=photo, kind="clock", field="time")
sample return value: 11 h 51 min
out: 8 h 04 min
